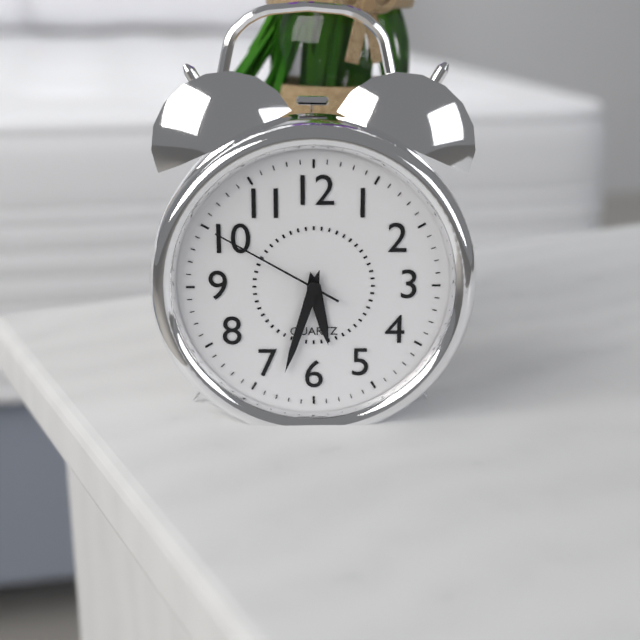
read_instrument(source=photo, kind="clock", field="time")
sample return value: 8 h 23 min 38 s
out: 5 h 33 min 50 s
